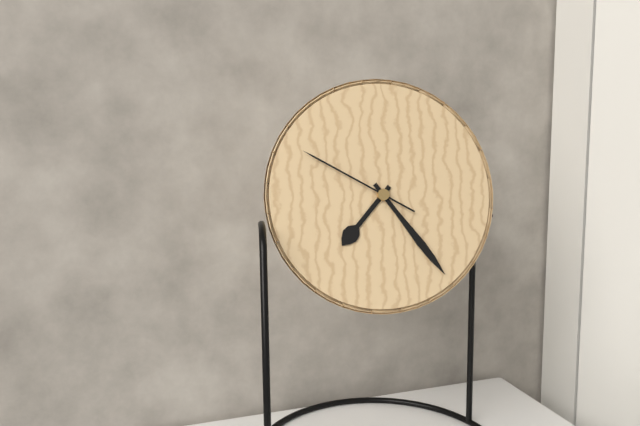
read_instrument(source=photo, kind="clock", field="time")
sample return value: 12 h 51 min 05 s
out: 7 h 24 min 50 s
